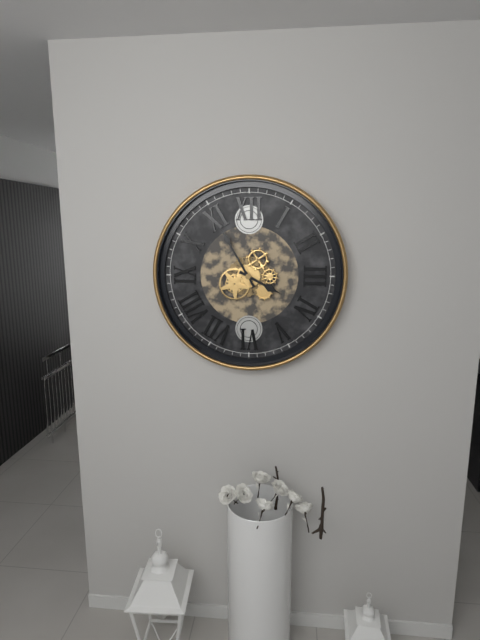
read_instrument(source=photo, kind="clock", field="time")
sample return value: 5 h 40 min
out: 3 h 55 min
